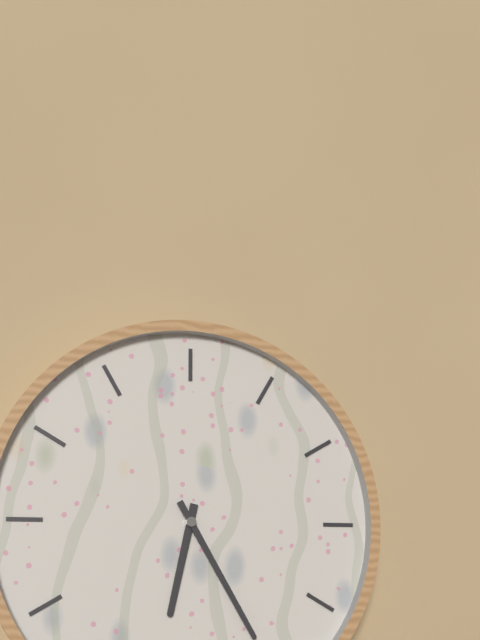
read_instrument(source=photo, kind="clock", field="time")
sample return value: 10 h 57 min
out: 6 h 25 min
